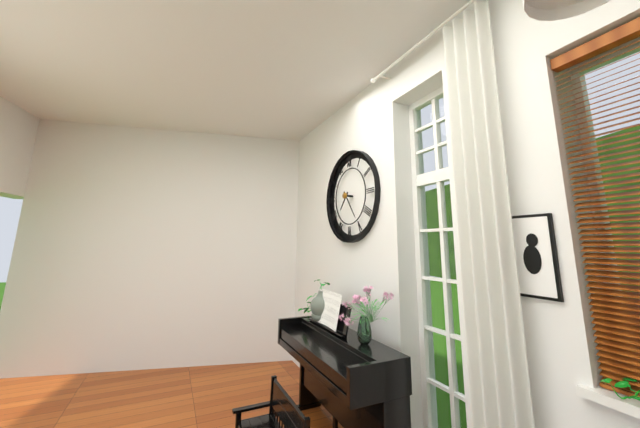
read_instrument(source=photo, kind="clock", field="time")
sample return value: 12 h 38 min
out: 7 h 24 min
